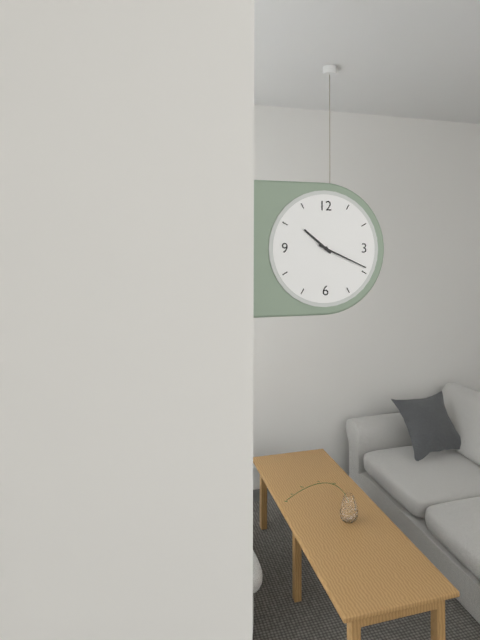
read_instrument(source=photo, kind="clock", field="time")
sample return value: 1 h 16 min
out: 10 h 19 min
